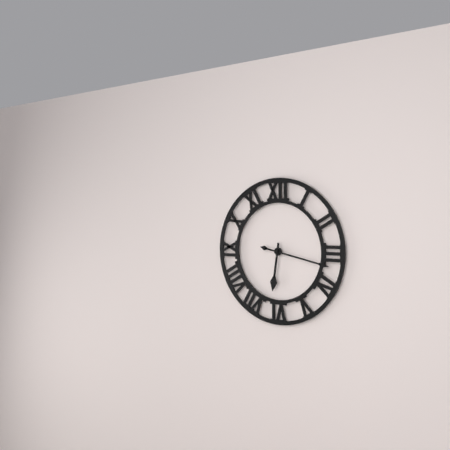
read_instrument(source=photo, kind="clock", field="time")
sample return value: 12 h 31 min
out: 6 h 17 min
